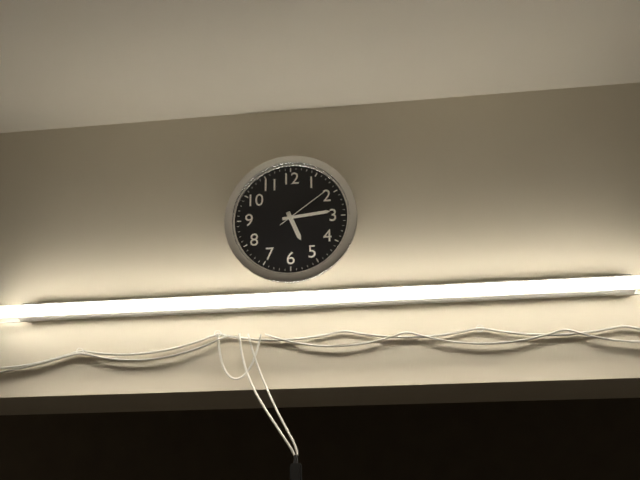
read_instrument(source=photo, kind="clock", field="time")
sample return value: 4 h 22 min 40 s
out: 5 h 14 min 09 s
